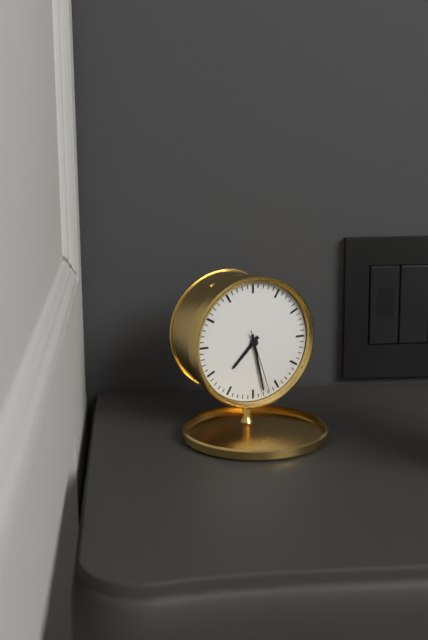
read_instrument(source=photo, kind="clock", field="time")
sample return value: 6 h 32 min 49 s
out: 7 h 28 min 27 s
